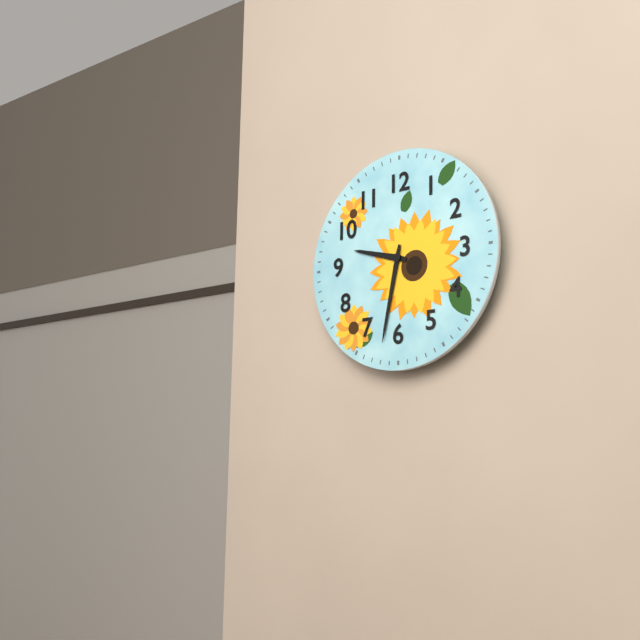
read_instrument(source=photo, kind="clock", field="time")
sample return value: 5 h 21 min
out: 9 h 32 min
